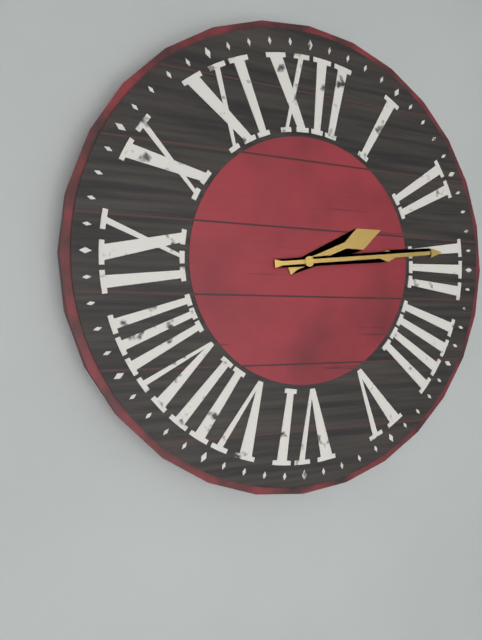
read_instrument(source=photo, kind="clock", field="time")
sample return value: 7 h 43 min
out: 2 h 14 min
